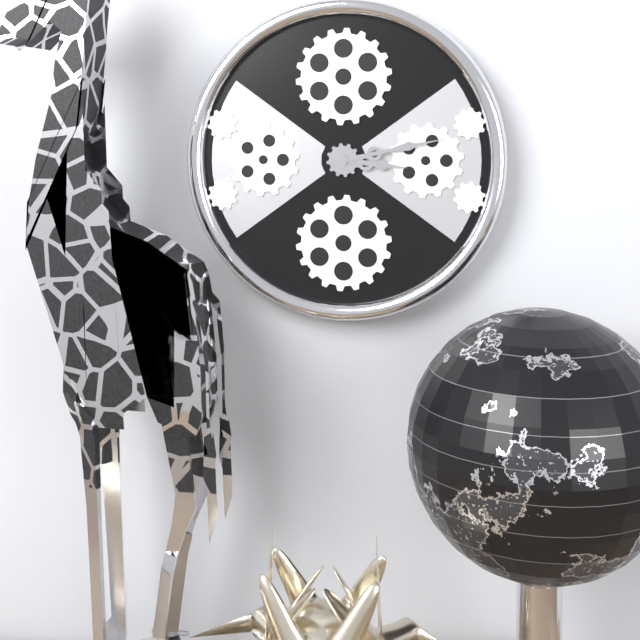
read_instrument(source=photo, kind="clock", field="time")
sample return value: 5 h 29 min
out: 3 h 13 min
